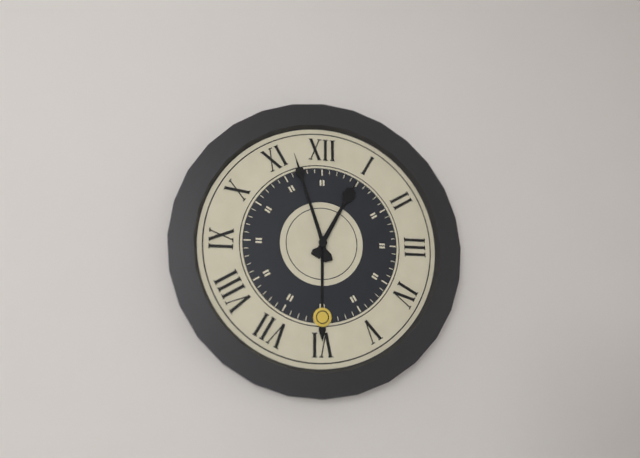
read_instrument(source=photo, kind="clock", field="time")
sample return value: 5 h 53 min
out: 12 h 57 min
